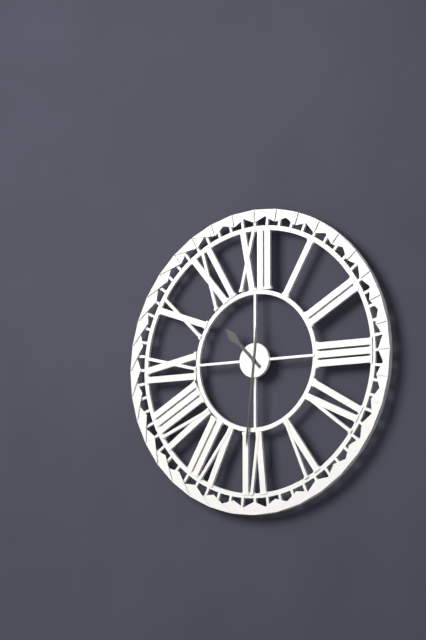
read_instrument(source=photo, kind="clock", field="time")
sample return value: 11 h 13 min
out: 10 h 31 min
